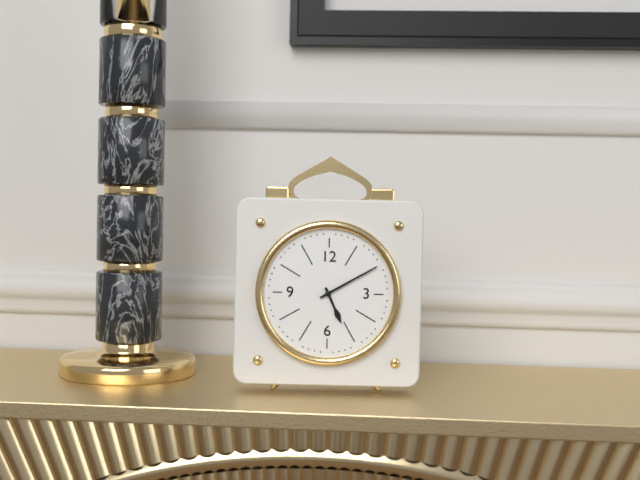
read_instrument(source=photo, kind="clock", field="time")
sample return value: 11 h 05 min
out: 5 h 10 min
